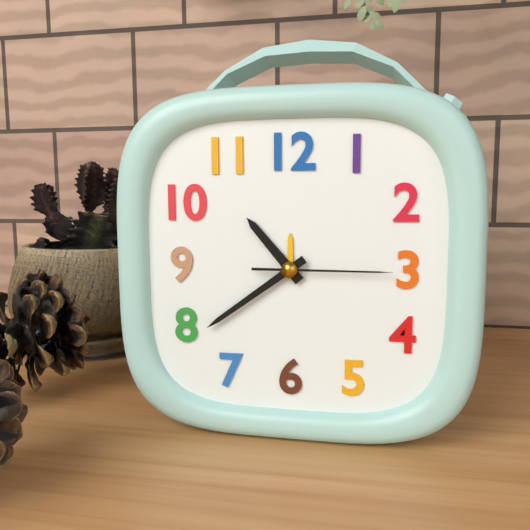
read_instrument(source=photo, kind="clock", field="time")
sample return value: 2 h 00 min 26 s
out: 10 h 39 min 15 s
